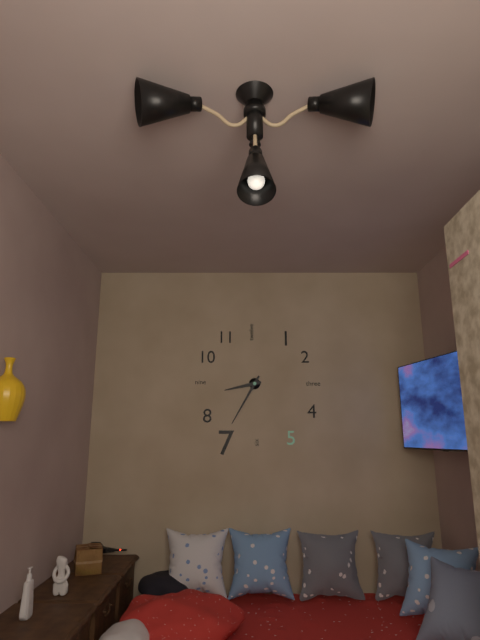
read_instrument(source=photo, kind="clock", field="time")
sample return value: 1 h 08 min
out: 8 h 35 min
